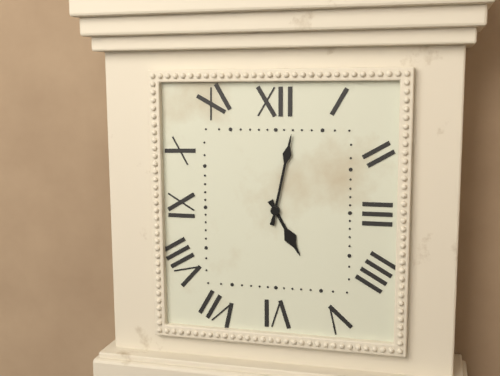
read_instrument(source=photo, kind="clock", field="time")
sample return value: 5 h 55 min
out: 5 h 02 min
